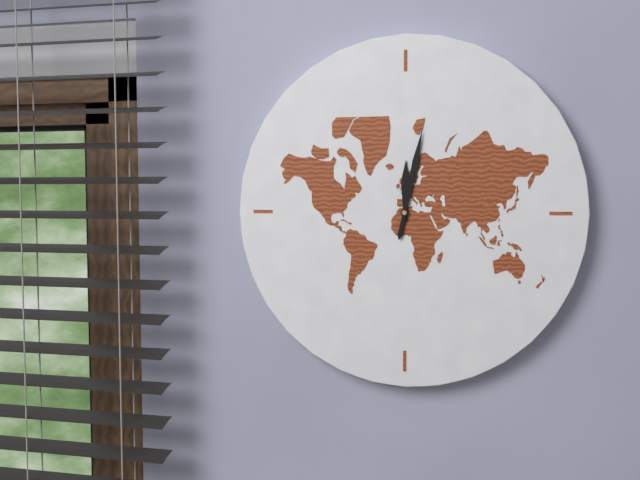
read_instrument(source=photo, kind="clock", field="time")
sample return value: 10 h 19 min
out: 12 h 02 min
